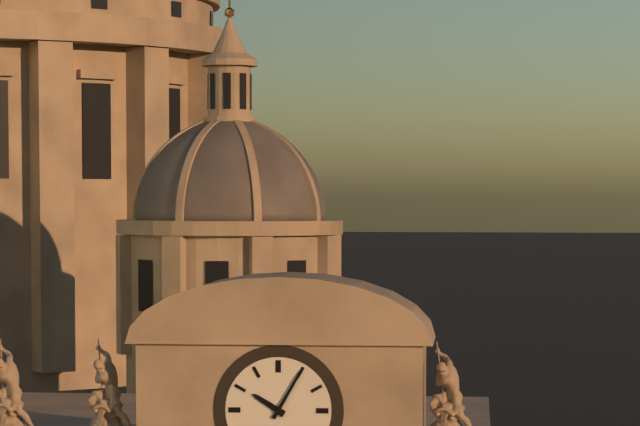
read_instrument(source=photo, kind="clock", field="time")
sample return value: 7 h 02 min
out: 10 h 05 min
